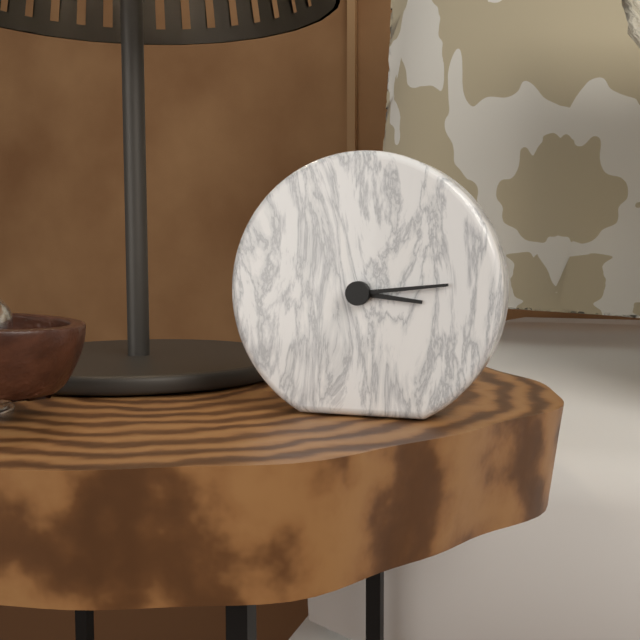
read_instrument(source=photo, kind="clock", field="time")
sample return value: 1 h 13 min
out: 3 h 14 min
